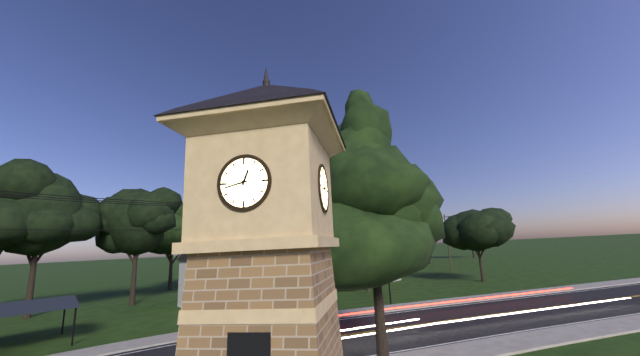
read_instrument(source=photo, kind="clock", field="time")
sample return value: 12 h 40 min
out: 12 h 43 min
